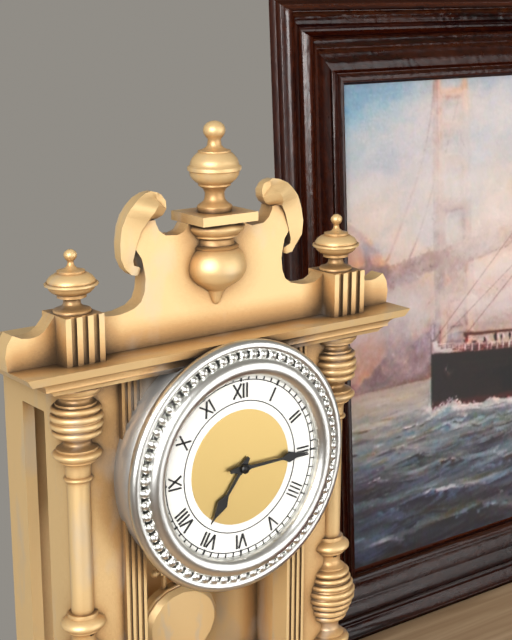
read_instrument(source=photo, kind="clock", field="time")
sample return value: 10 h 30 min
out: 7 h 15 min
